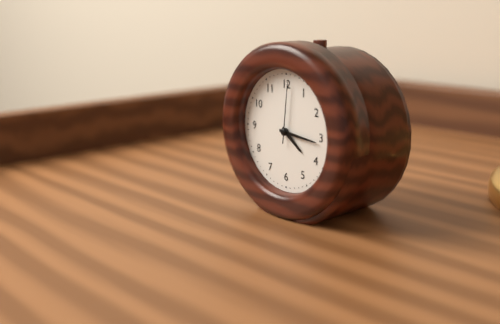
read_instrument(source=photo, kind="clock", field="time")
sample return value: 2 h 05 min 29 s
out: 4 h 16 min 01 s
